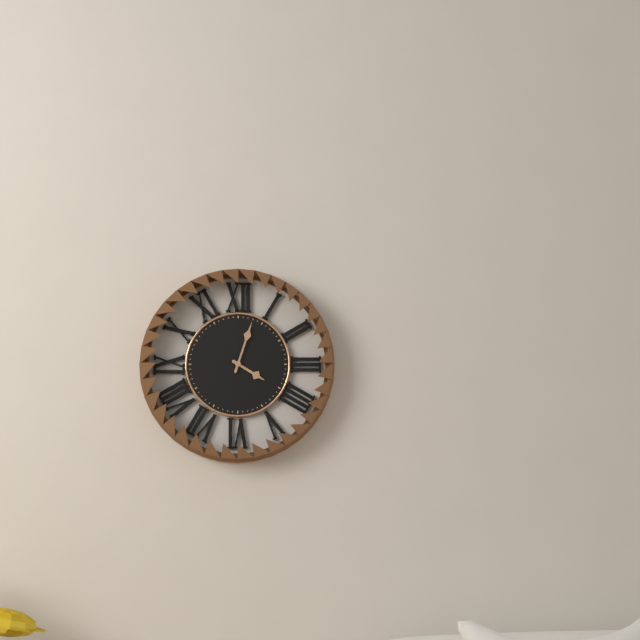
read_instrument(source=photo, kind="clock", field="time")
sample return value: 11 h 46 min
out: 4 h 03 min
